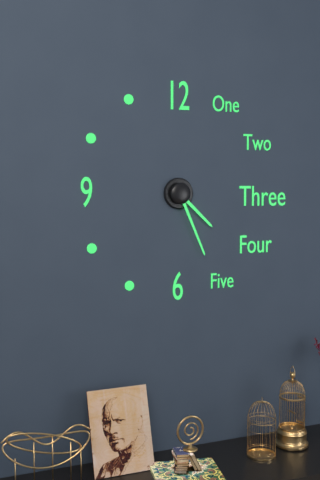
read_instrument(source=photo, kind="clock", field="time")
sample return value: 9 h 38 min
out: 4 h 26 min
